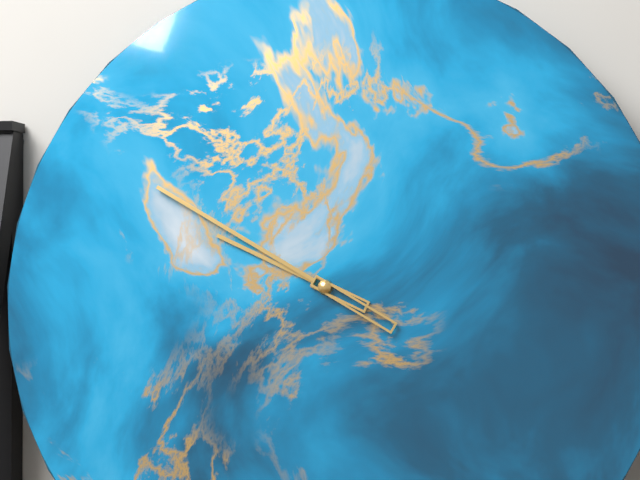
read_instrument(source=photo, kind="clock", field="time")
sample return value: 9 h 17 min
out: 9 h 50 min
